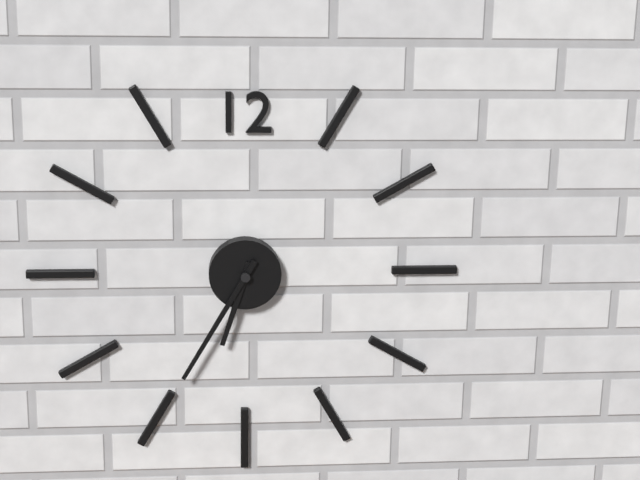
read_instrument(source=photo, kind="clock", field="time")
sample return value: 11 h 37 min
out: 6 h 35 min
